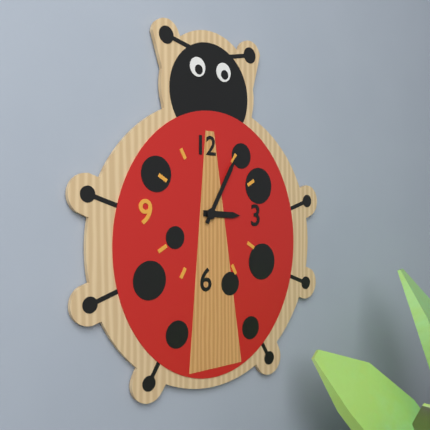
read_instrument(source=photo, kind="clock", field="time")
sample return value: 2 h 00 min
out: 3 h 05 min
